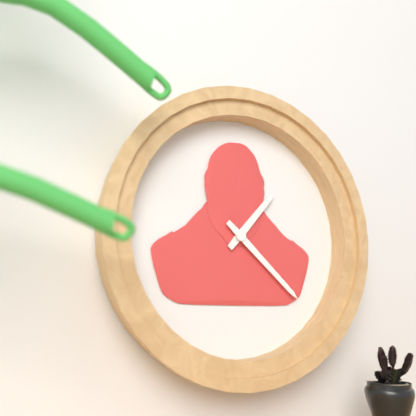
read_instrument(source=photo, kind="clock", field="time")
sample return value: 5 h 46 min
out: 1 h 22 min
